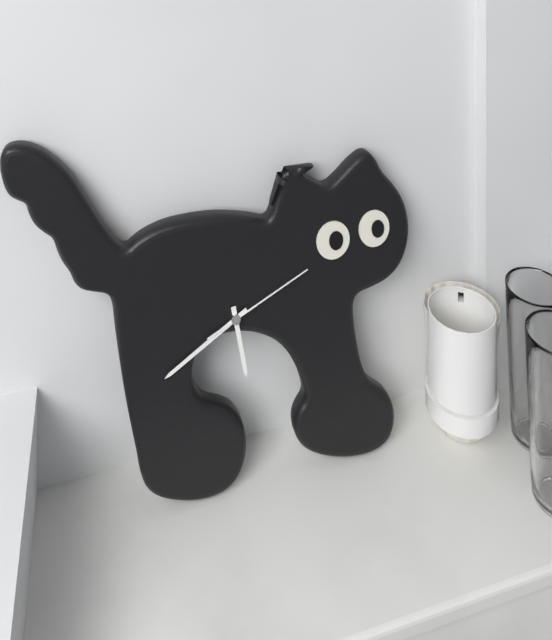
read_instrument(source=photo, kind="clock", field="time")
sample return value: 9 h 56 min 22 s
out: 5 h 40 min 11 s
